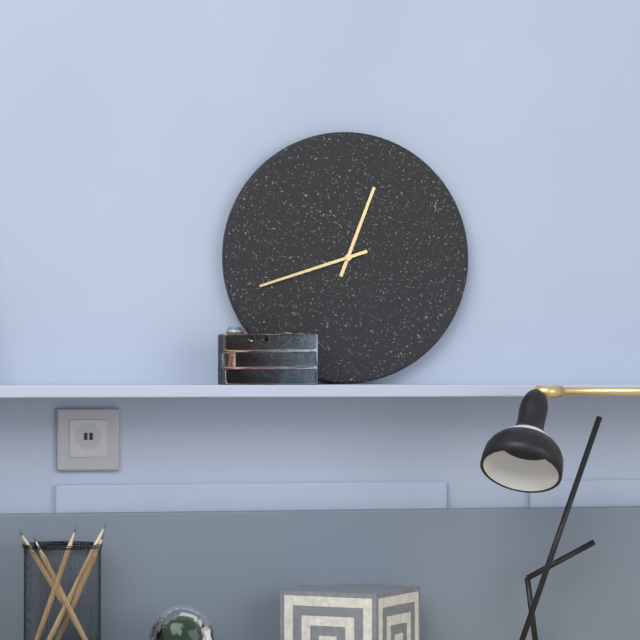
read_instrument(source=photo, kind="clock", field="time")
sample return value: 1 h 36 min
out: 12 h 42 min
